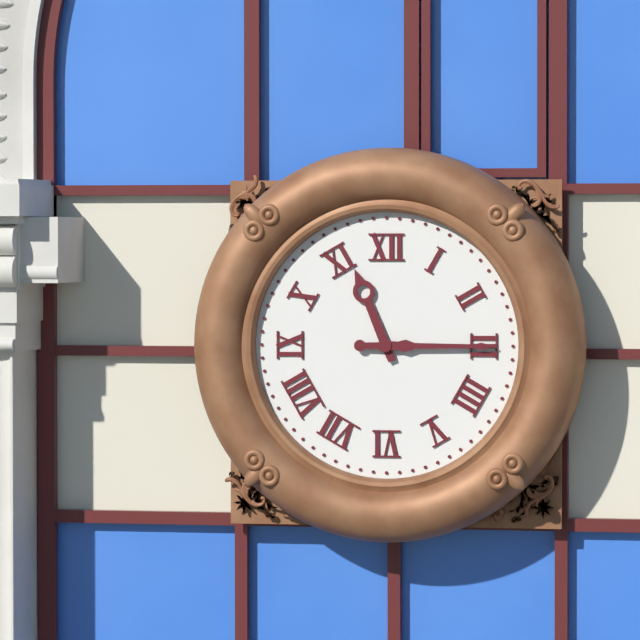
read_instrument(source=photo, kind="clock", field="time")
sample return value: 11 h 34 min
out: 11 h 15 min
